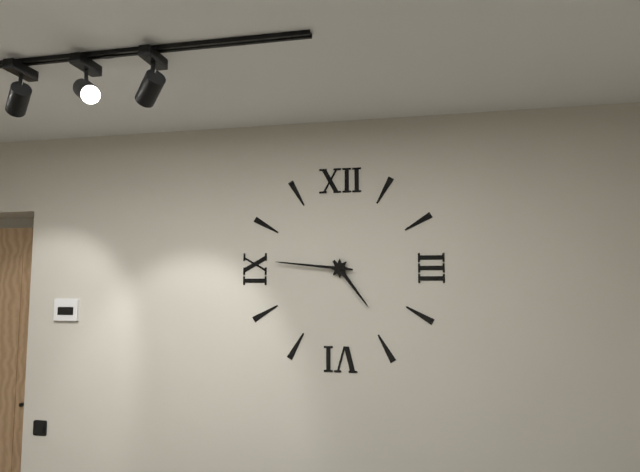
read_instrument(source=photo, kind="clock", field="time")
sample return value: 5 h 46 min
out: 4 h 46 min
